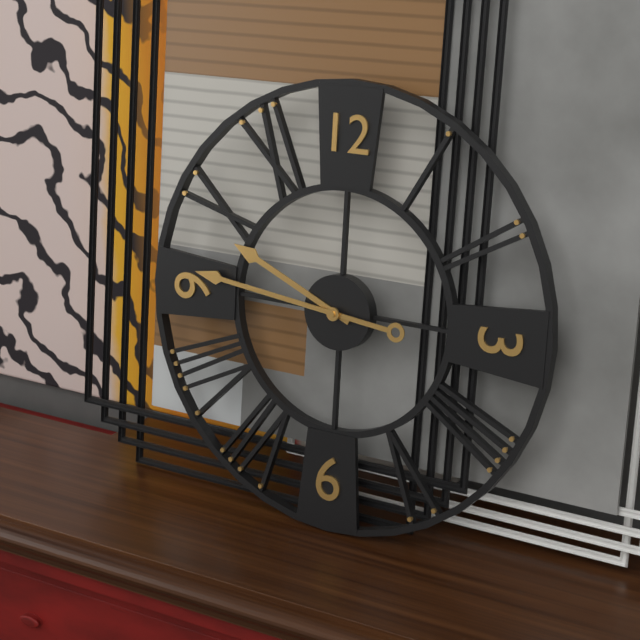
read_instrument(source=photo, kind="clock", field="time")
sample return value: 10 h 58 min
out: 9 h 46 min
